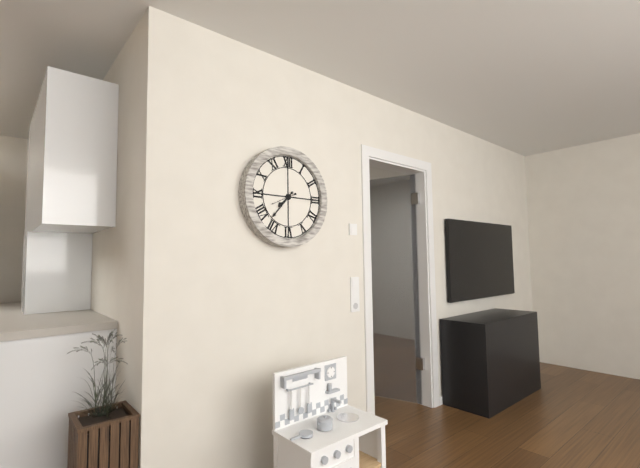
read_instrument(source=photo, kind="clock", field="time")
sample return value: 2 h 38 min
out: 7 h 37 min
